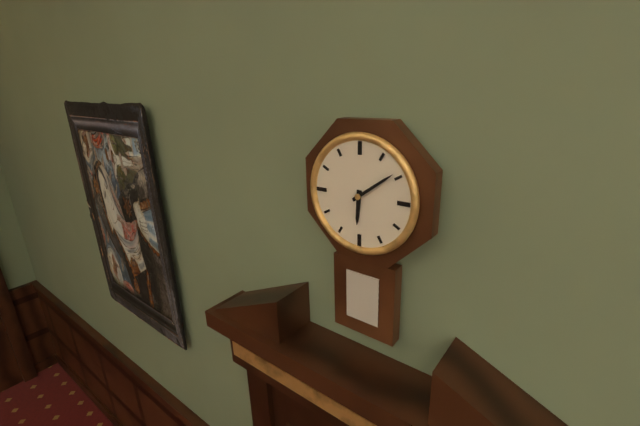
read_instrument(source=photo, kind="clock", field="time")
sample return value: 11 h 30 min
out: 6 h 09 min
